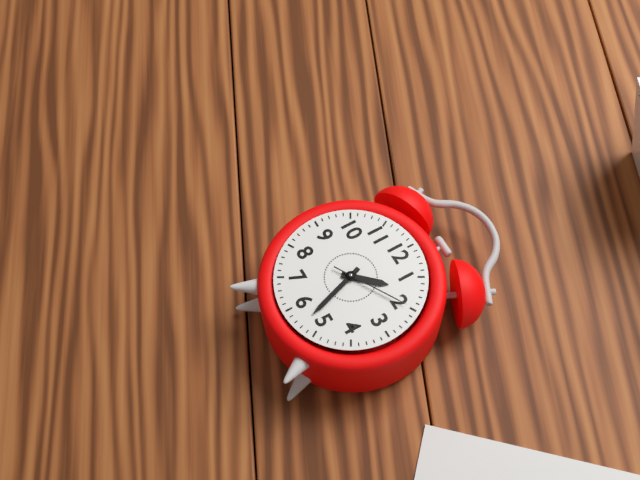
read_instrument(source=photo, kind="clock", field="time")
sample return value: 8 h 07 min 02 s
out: 1 h 27 min 10 s
